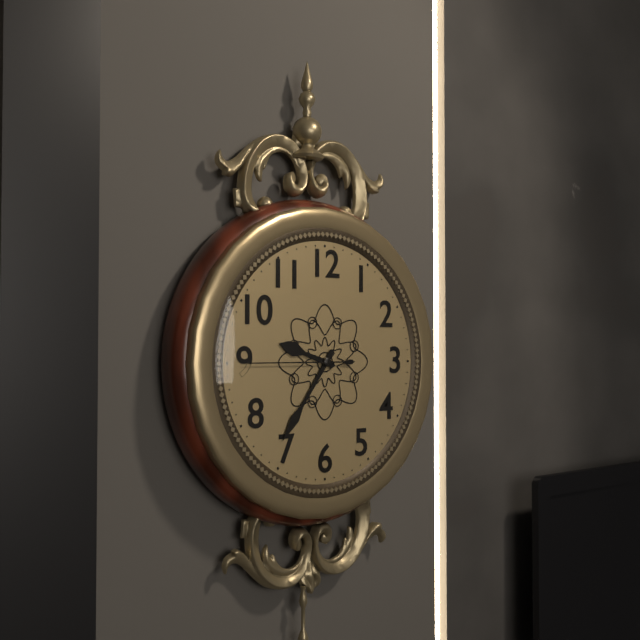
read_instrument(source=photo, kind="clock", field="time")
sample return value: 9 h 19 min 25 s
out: 9 h 36 min 45 s
